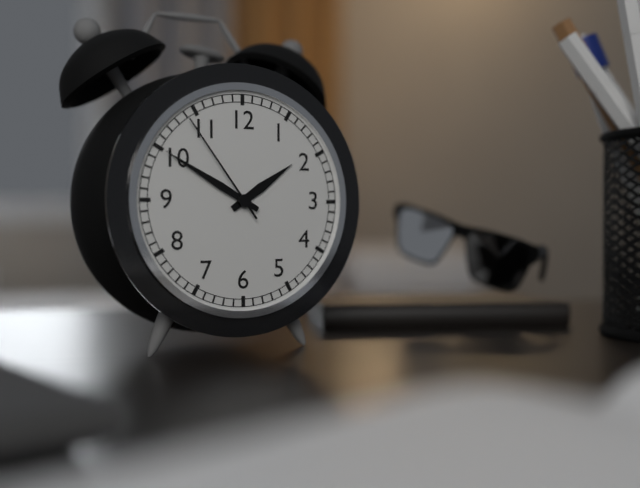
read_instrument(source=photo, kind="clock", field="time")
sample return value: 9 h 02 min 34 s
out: 1 h 50 min 54 s
